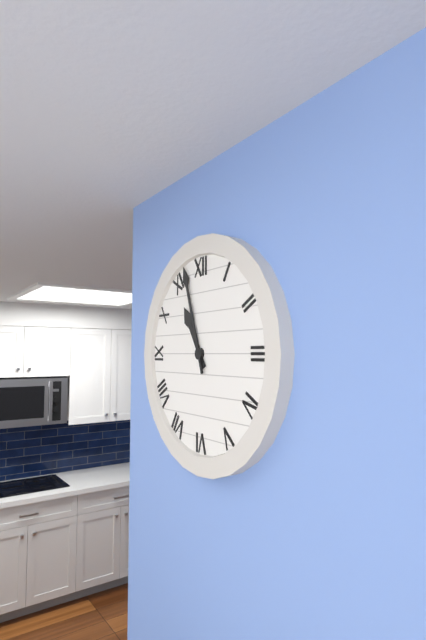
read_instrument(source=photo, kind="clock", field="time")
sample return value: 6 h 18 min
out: 10 h 57 min
